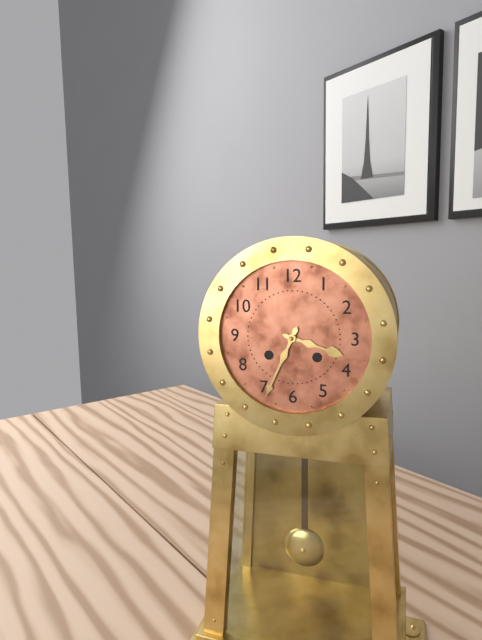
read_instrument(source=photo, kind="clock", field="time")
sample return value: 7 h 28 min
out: 3 h 34 min
